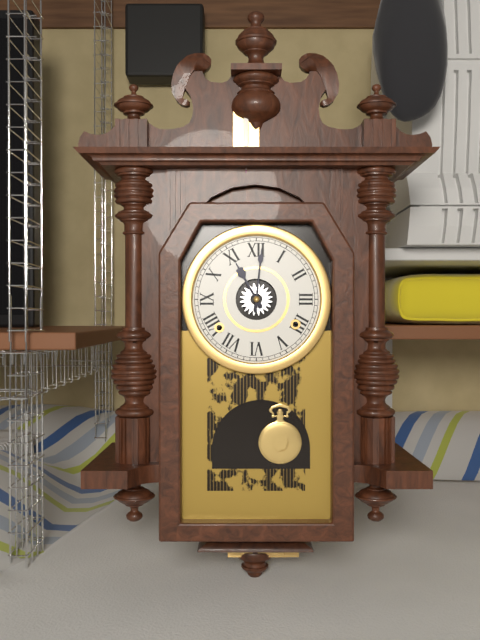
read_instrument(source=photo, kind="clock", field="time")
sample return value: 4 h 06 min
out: 11 h 01 min
